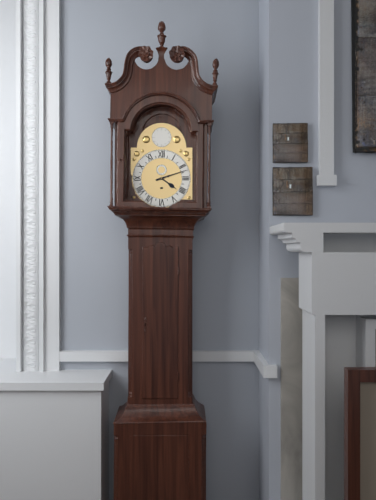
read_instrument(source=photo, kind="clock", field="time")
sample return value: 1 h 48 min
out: 4 h 12 min
